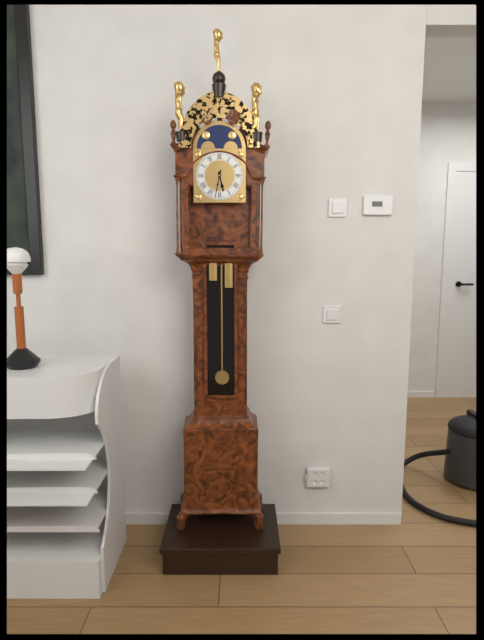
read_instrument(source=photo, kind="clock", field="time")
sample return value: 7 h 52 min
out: 5 h 32 min
